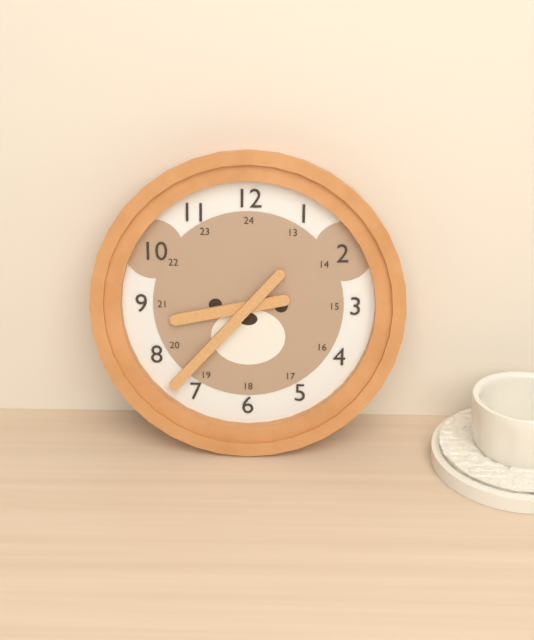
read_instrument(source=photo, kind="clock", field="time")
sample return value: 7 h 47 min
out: 8 h 37 min
